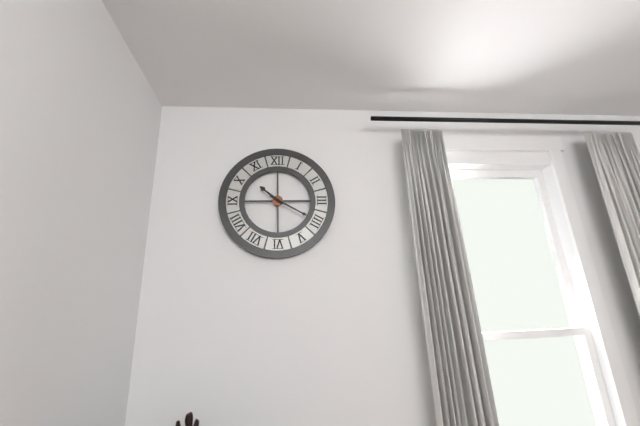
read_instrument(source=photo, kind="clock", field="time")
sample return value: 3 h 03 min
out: 10 h 20 min
